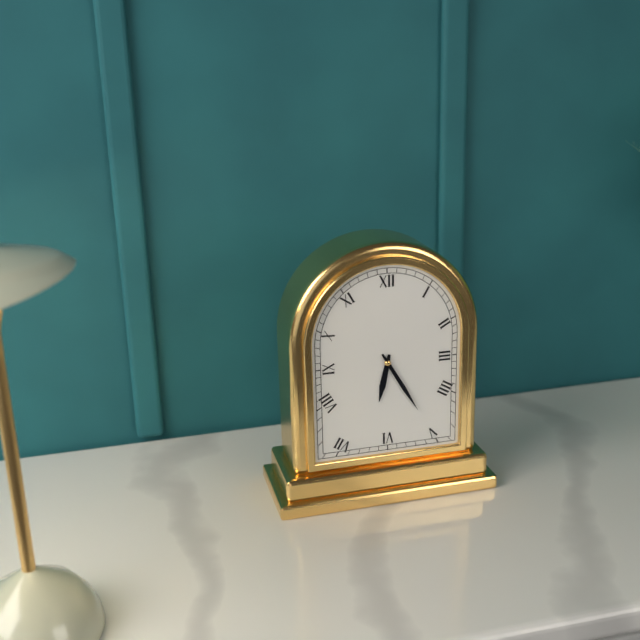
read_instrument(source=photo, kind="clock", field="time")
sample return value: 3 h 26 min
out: 6 h 25 min
